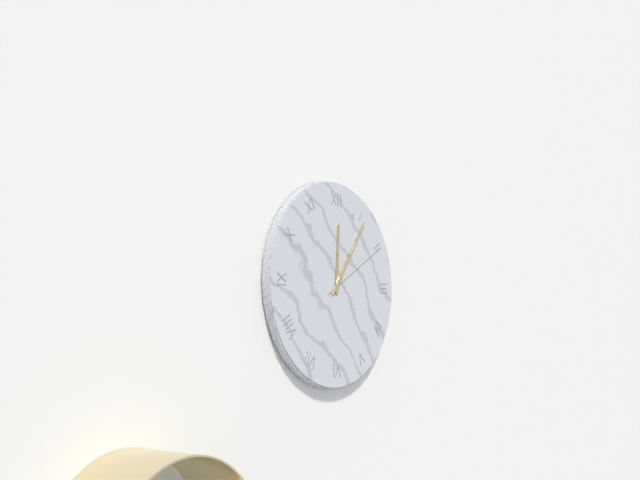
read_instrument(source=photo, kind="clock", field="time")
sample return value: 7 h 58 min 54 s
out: 12 h 06 min 10 s
